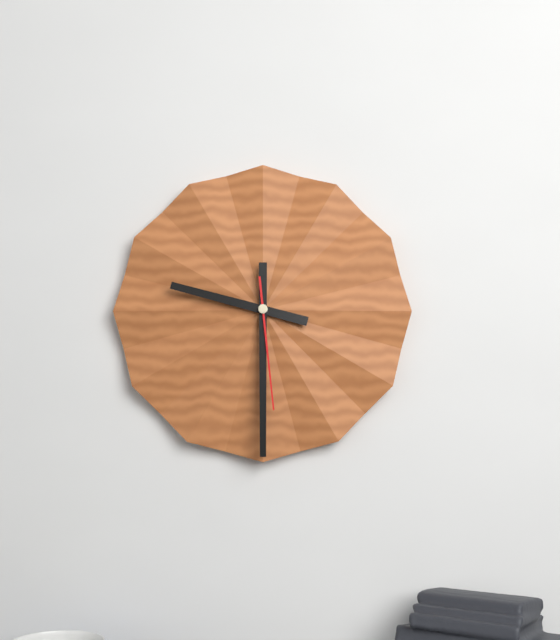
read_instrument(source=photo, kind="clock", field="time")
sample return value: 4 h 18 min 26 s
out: 9 h 30 min 29 s
